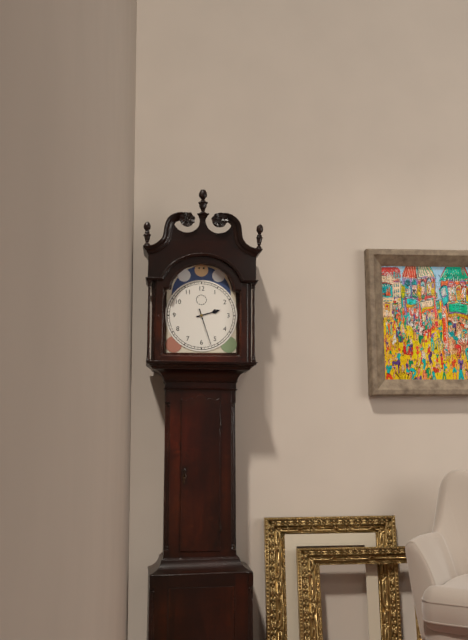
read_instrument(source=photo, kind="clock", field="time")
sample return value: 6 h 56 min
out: 2 h 27 min
